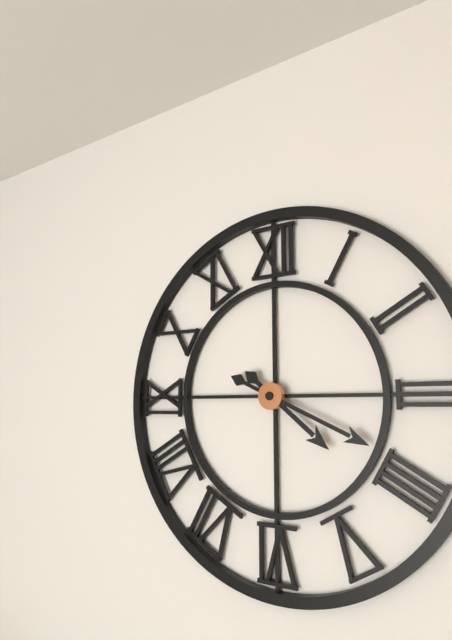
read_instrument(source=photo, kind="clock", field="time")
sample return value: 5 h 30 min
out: 4 h 19 min
